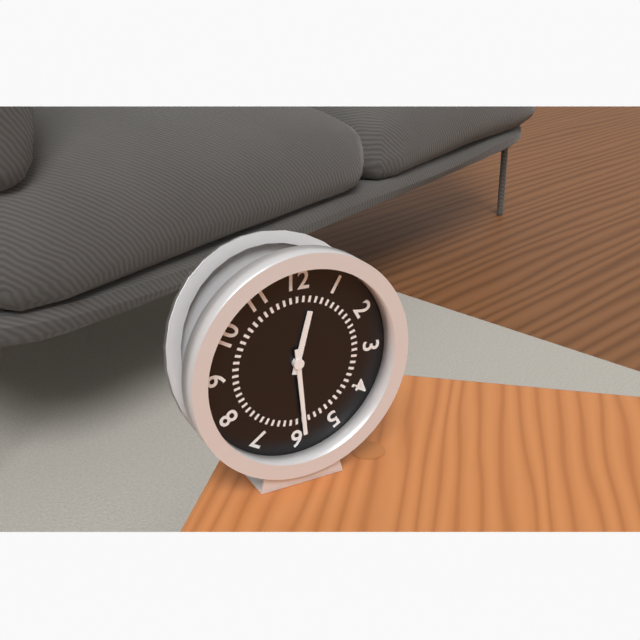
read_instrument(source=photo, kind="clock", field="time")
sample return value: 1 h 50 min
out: 12 h 29 min
